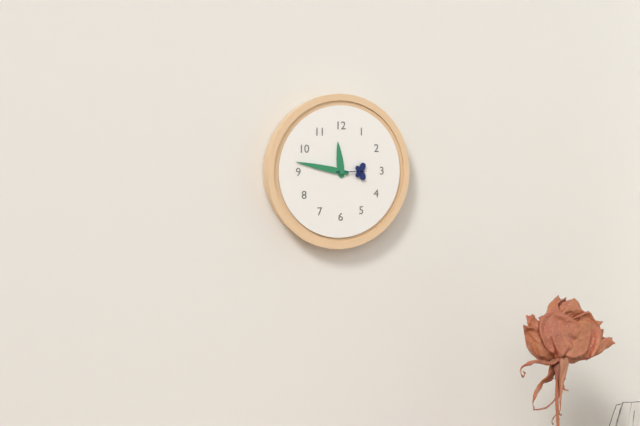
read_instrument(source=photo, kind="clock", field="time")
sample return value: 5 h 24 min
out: 11 h 47 min
